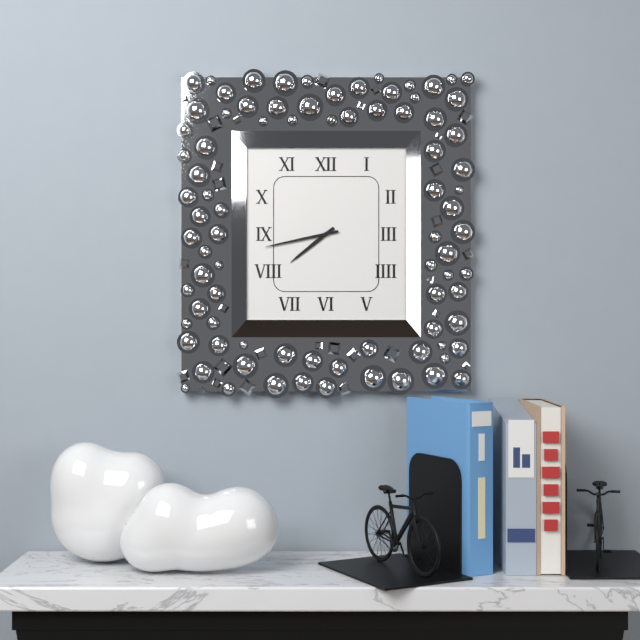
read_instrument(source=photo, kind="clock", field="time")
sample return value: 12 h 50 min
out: 7 h 43 min
